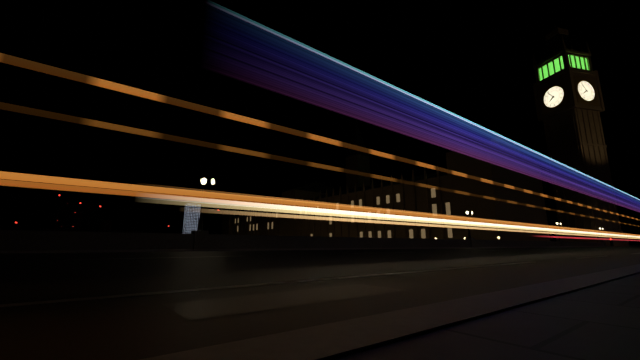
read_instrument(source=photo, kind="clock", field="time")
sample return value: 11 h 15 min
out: 7 h 54 min
